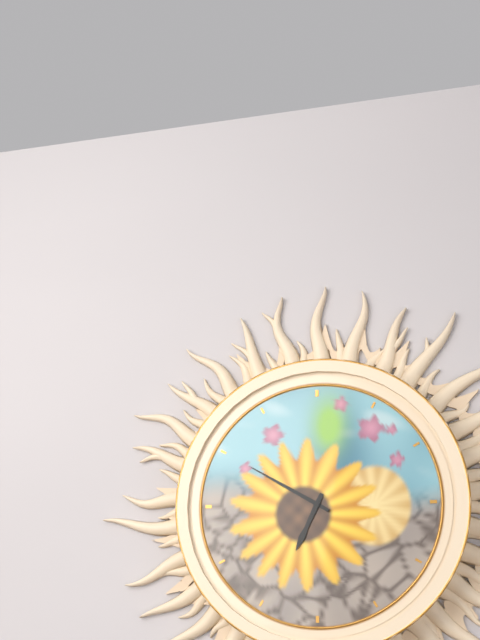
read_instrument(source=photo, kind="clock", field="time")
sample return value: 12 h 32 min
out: 6 h 50 min
